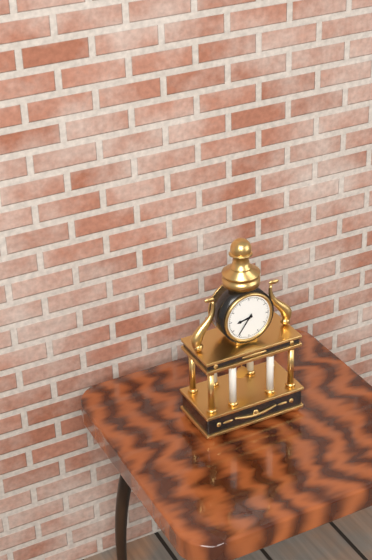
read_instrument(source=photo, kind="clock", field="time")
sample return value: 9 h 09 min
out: 8 h 36 min
